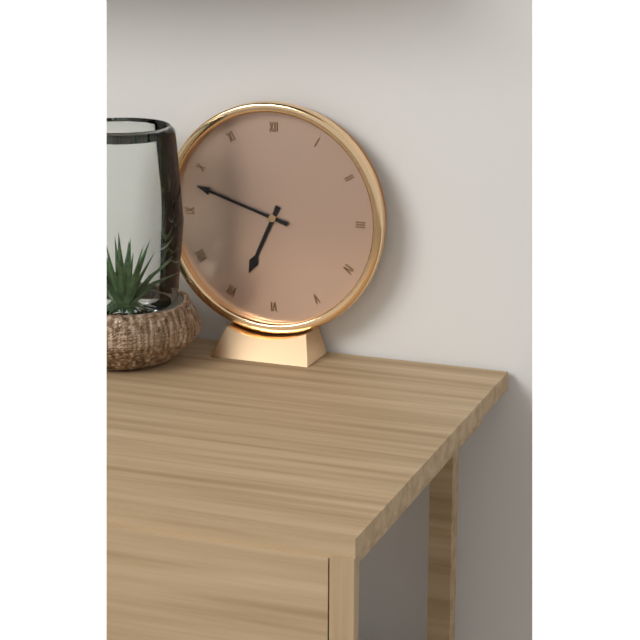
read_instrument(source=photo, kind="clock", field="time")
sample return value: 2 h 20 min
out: 6 h 48 min
